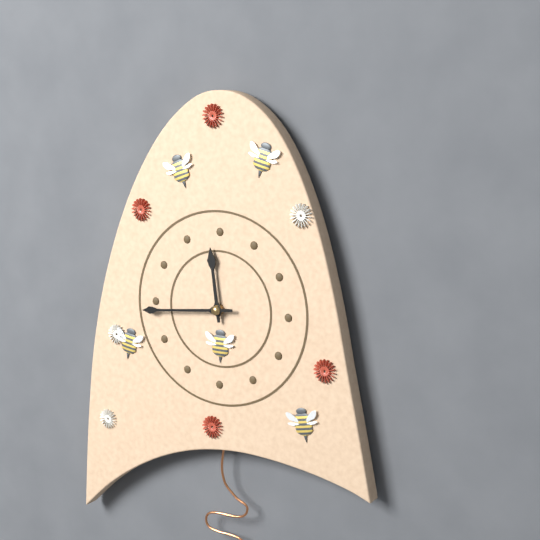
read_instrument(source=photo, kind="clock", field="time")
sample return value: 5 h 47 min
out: 11 h 44 min
